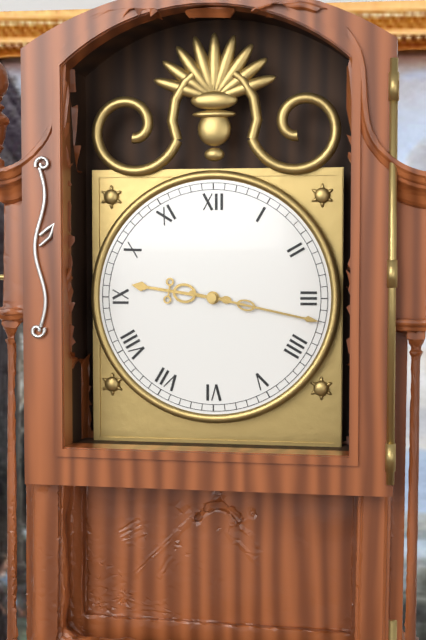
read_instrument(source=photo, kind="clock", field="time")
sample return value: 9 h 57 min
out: 9 h 17 min
